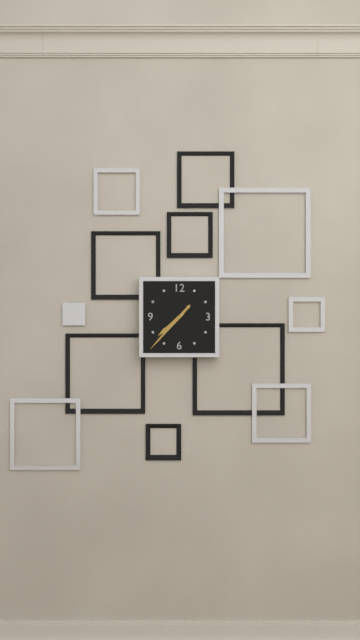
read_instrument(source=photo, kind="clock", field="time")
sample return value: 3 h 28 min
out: 7 h 37 min
